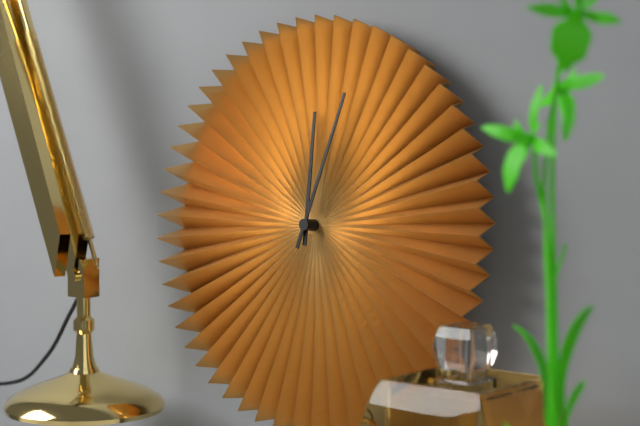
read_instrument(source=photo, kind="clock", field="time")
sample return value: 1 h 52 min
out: 12 h 03 min
